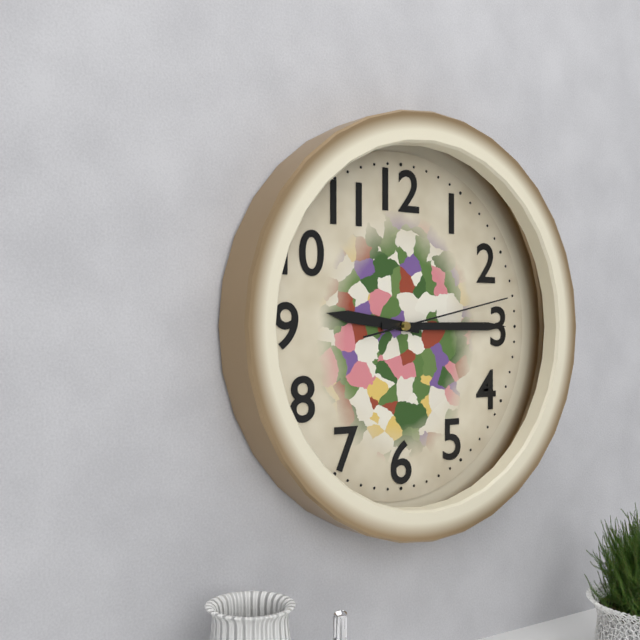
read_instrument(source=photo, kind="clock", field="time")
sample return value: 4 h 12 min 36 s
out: 9 h 15 min 13 s
